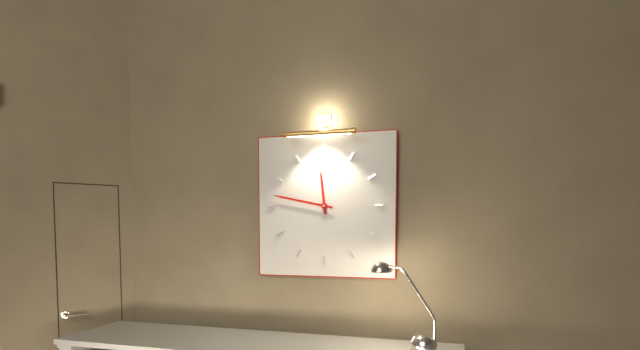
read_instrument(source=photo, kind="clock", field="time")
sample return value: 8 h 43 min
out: 11 h 47 min
